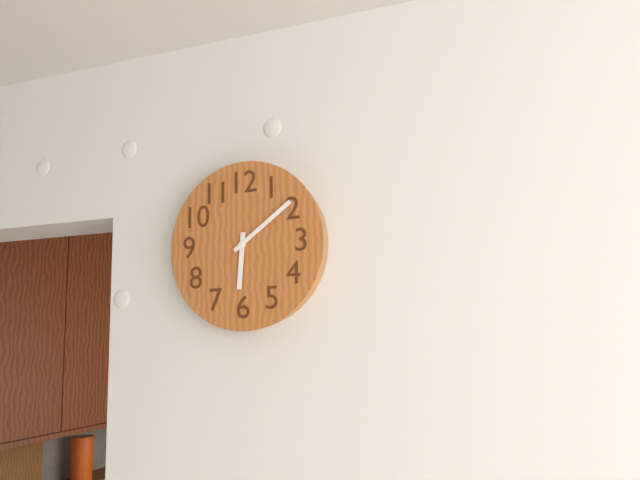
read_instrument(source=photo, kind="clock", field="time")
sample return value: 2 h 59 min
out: 6 h 09 min
